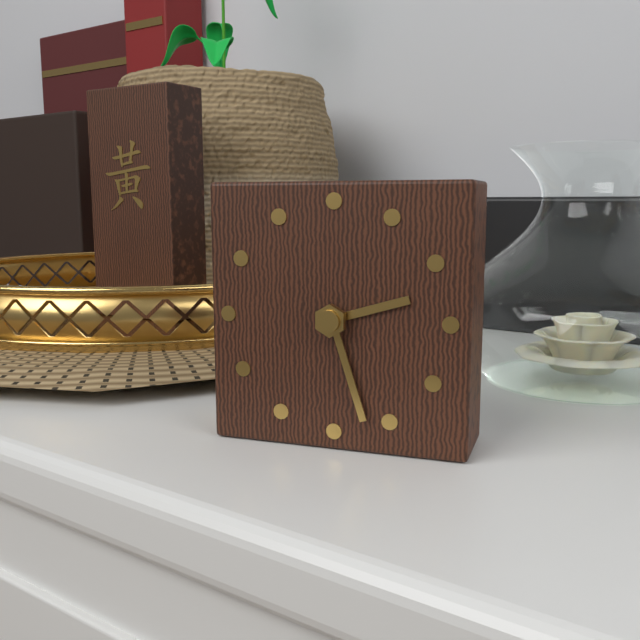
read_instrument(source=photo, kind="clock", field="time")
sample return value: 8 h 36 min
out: 2 h 27 min
